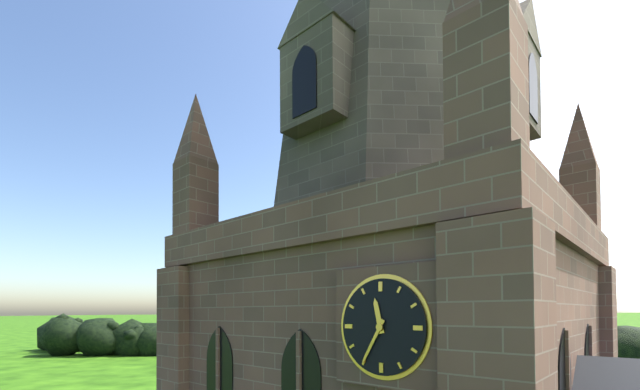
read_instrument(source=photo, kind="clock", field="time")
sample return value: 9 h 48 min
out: 11 h 35 min
